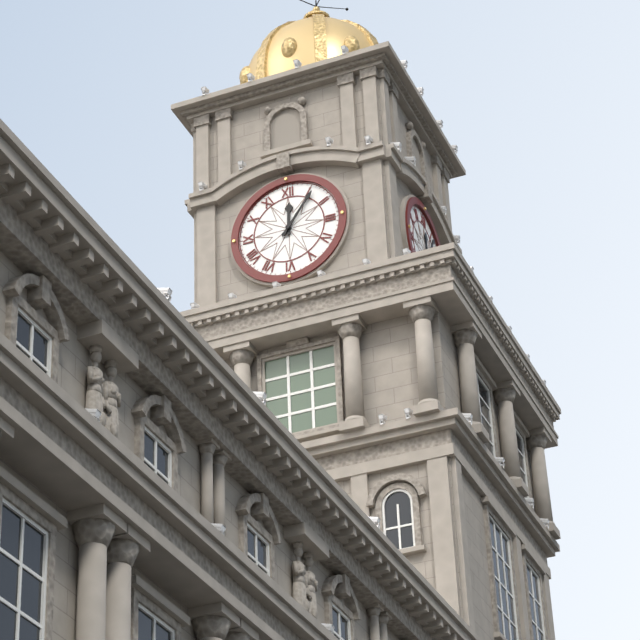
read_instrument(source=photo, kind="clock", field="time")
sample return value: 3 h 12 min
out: 12 h 06 min
